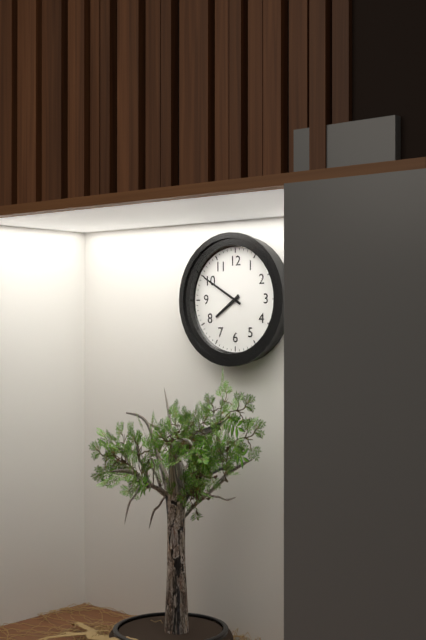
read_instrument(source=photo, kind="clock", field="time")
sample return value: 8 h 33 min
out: 7 h 50 min
